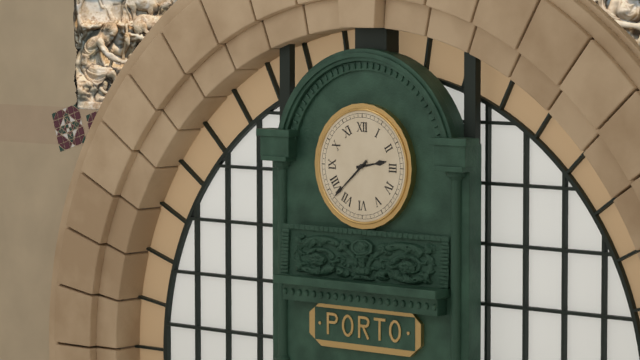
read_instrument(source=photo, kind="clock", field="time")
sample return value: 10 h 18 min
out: 2 h 38 min
